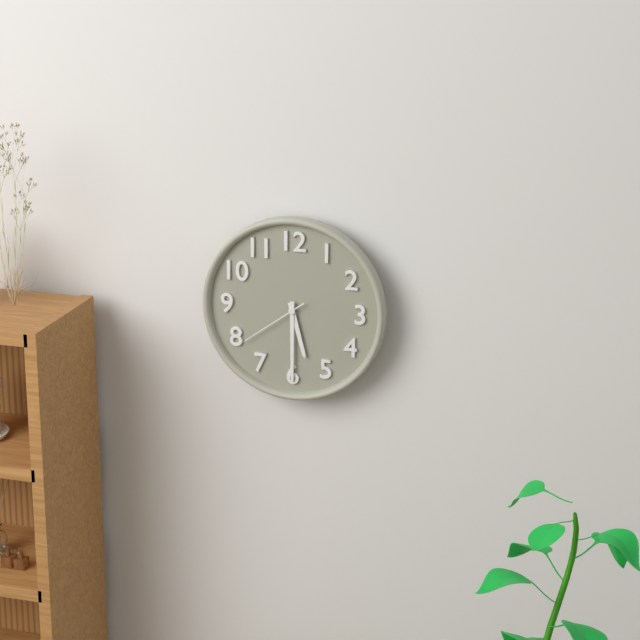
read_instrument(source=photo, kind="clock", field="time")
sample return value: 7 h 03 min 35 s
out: 5 h 30 min 39 s
